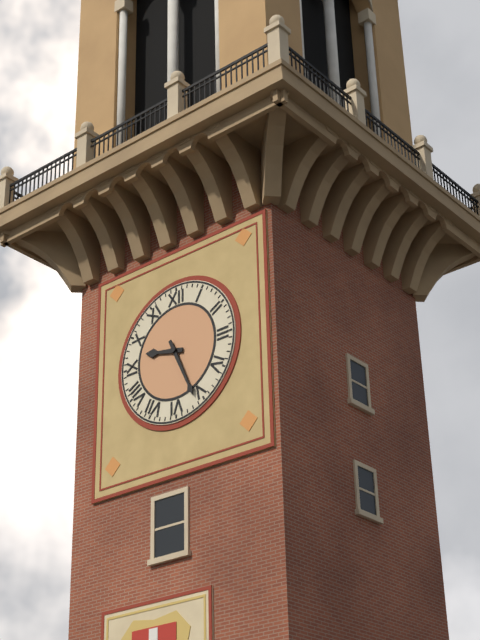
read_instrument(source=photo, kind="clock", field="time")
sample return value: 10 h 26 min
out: 9 h 26 min
